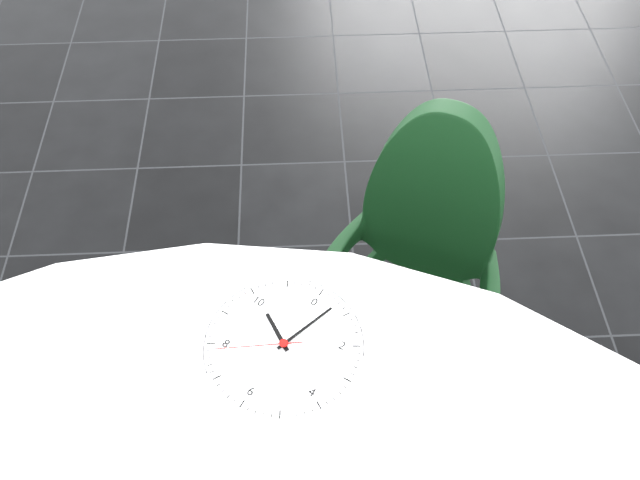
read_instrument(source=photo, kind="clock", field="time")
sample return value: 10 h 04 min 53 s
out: 10 h 03 min 39 s
